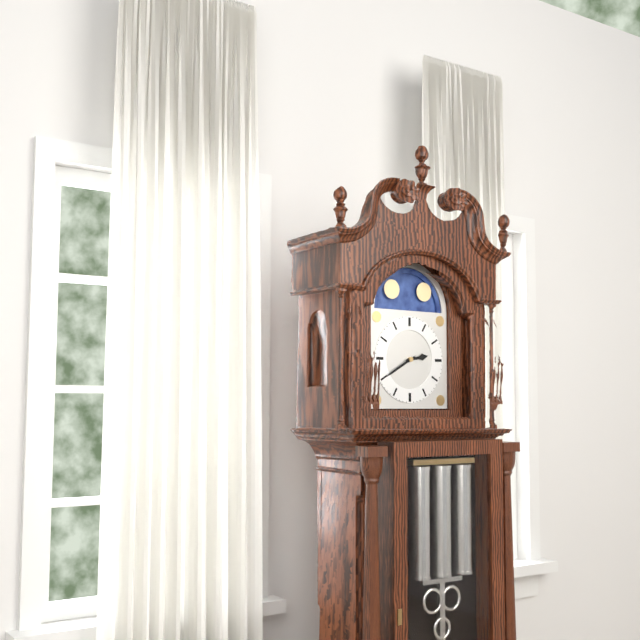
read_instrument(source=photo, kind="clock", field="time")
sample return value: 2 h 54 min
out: 2 h 40 min
